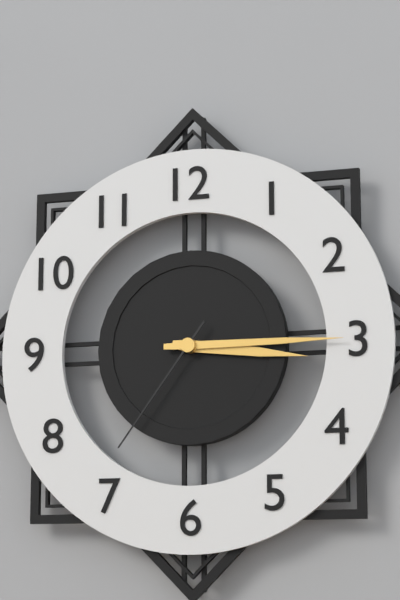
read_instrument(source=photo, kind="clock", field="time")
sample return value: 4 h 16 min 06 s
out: 3 h 15 min 36 s
